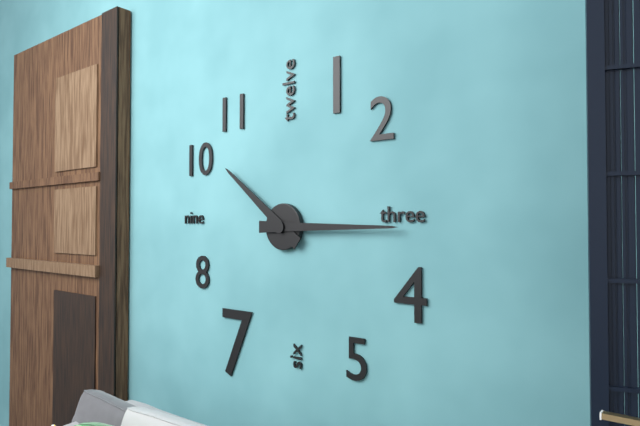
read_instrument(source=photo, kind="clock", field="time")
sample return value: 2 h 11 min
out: 10 h 15 min
